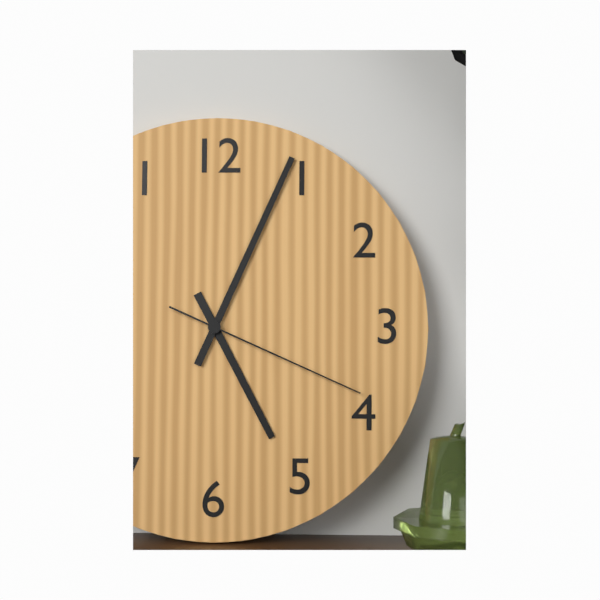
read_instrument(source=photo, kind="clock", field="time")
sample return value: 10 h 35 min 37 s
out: 5 h 04 min 19 s
